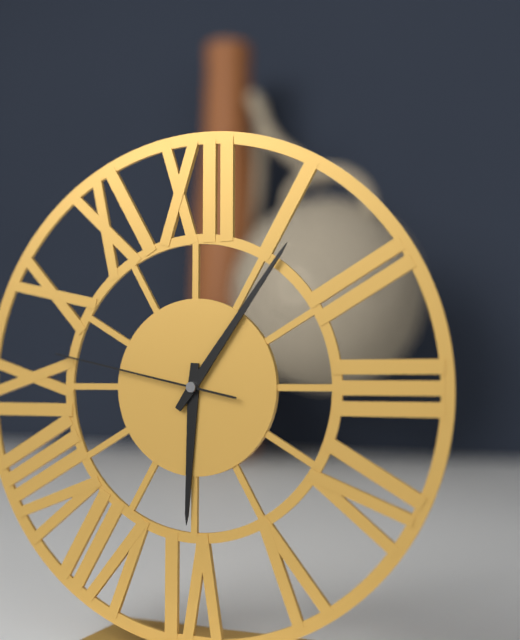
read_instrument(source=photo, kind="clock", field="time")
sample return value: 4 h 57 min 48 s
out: 6 h 06 min 47 s
